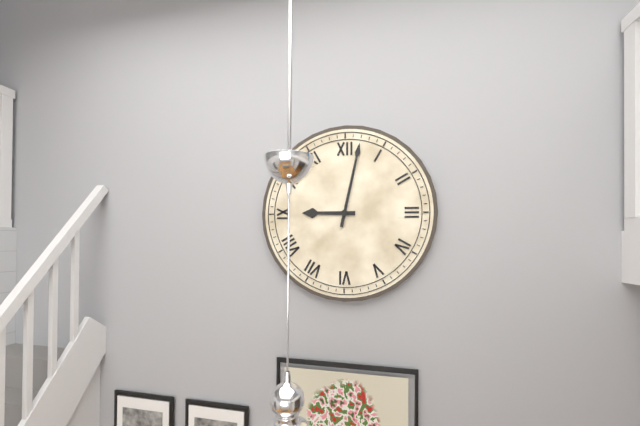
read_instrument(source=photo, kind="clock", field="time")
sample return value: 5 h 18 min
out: 9 h 02 min
